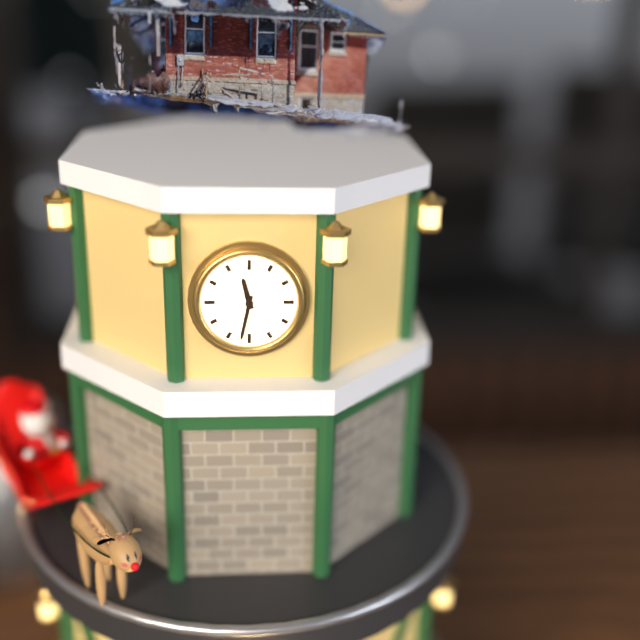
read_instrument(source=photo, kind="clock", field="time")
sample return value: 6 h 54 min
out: 11 h 32 min
